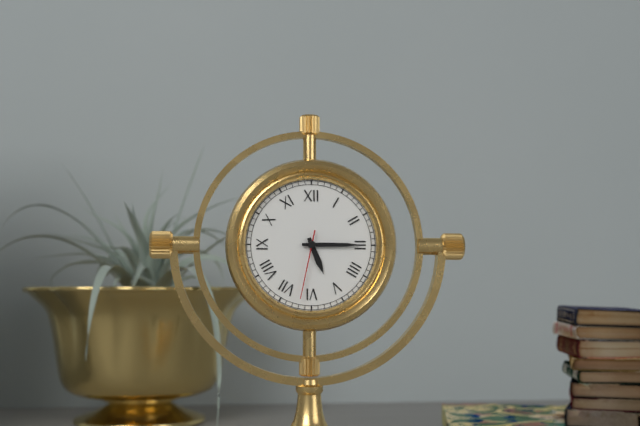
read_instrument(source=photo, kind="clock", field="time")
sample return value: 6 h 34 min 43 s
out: 5 h 15 min 32 s
